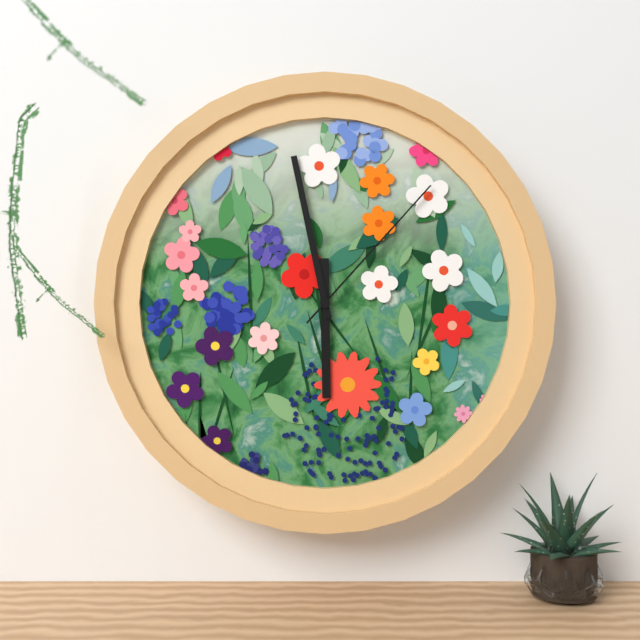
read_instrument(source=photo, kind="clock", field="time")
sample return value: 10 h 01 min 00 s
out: 5 h 58 min 07 s
